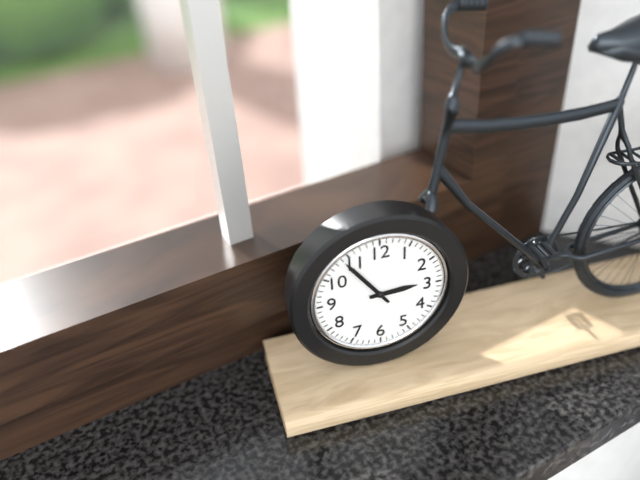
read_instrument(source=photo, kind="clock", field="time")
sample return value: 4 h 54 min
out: 2 h 54 min
